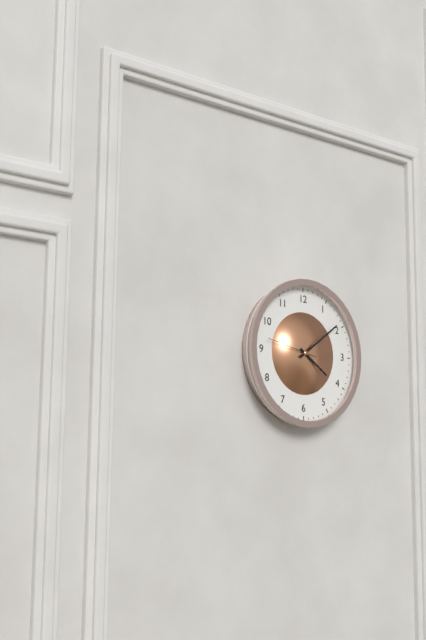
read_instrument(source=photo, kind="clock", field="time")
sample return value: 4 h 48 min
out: 4 h 09 min
